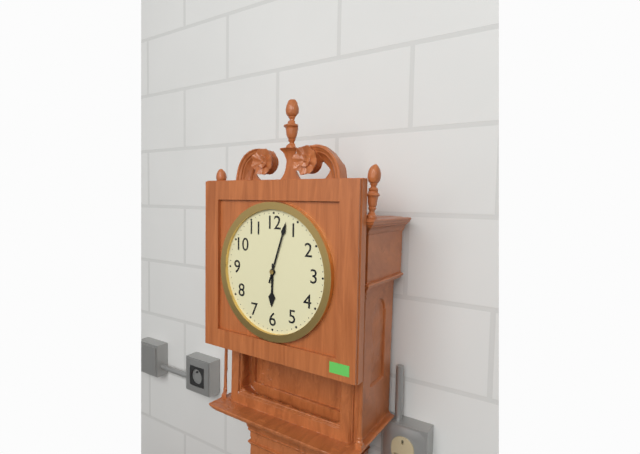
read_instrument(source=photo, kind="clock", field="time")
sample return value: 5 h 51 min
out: 6 h 03 min
